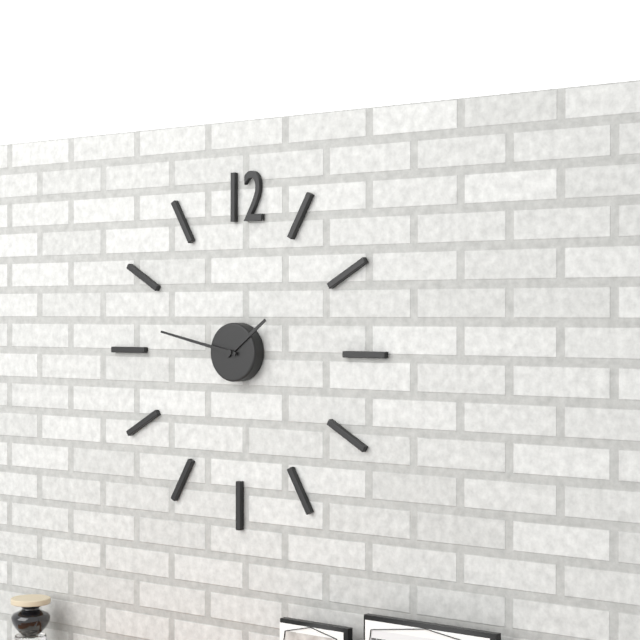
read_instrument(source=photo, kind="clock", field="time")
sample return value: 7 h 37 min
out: 1 h 47 min
